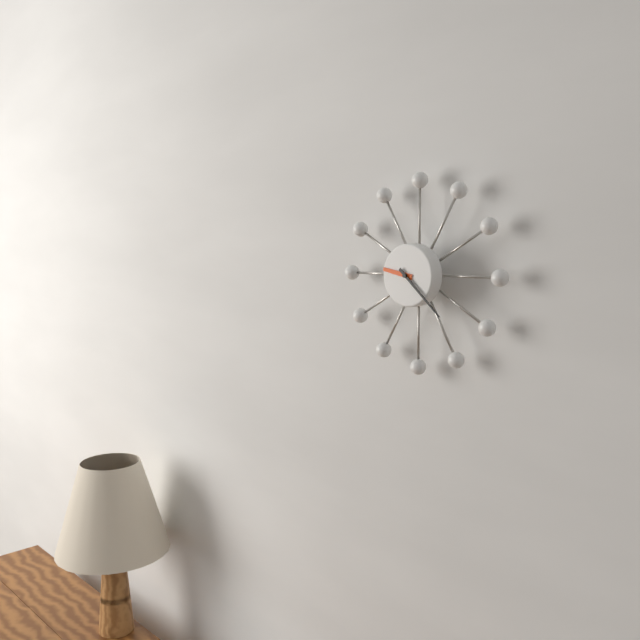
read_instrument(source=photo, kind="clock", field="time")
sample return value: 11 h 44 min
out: 9 h 22 min
